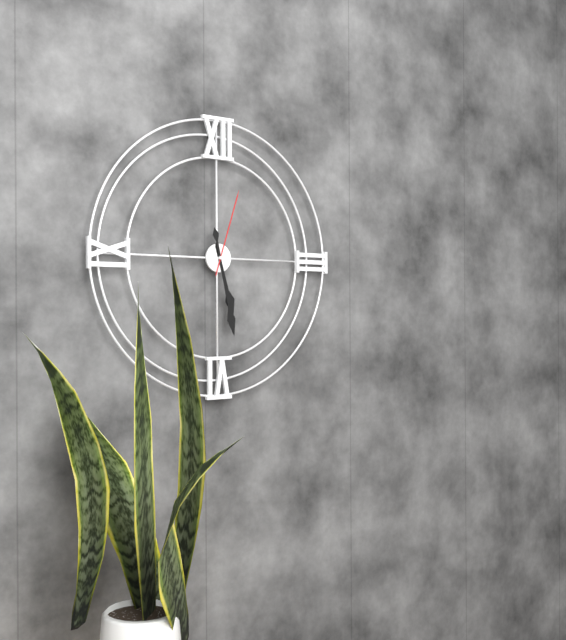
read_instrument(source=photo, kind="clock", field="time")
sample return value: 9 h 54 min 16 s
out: 5 h 28 min 03 s
